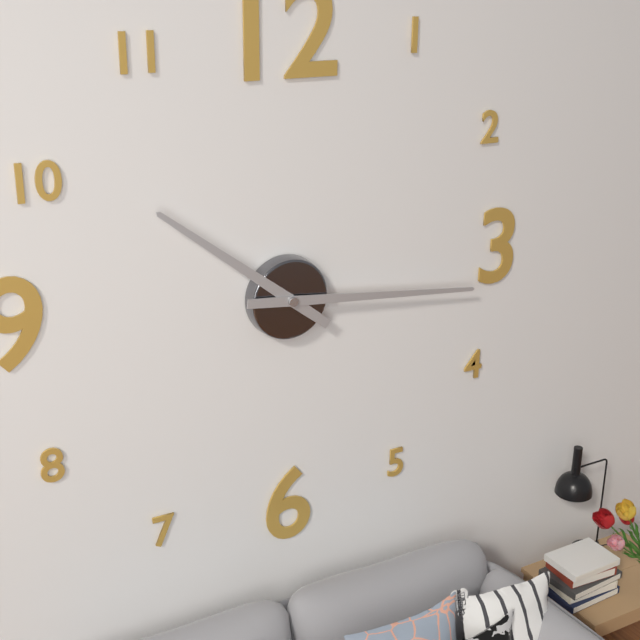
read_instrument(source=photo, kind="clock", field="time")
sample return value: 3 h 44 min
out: 10 h 16 min
